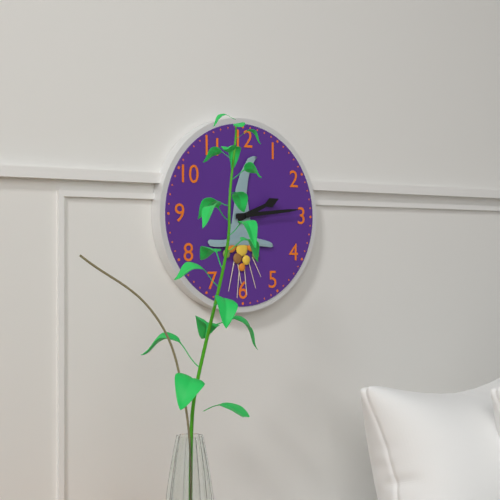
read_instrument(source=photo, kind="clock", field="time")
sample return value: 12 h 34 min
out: 2 h 14 min
